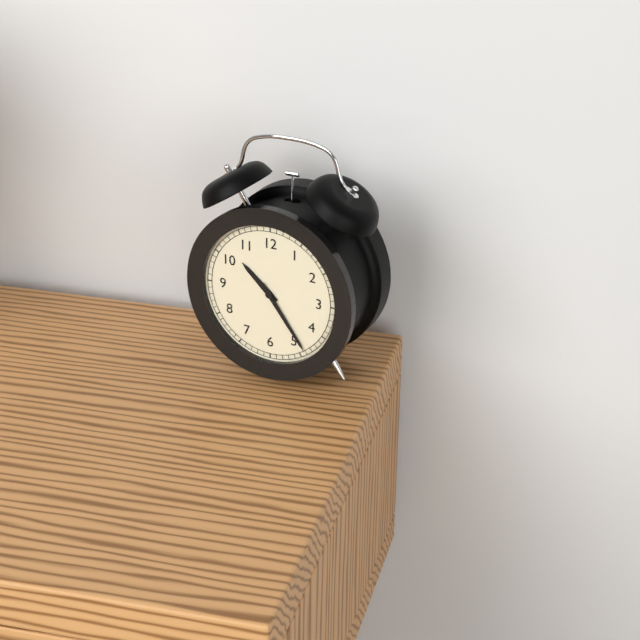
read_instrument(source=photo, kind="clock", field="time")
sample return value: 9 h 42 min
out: 10 h 24 min
